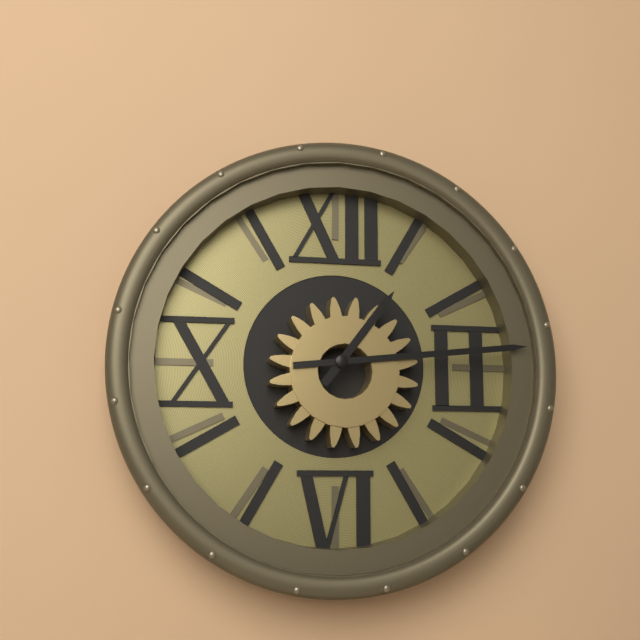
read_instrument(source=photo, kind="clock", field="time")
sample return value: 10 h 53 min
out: 1 h 14 min
